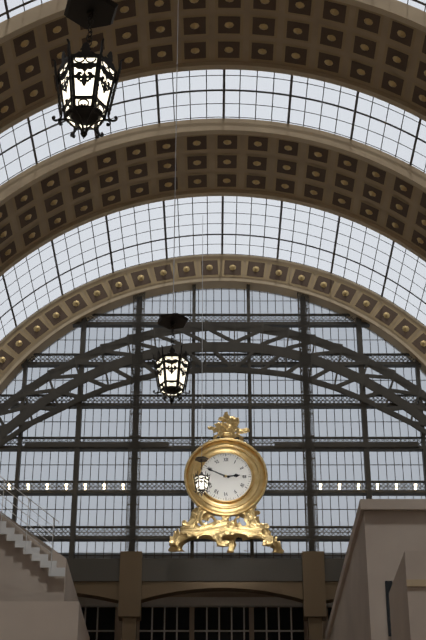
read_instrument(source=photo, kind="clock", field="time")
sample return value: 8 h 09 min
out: 2 h 49 min
